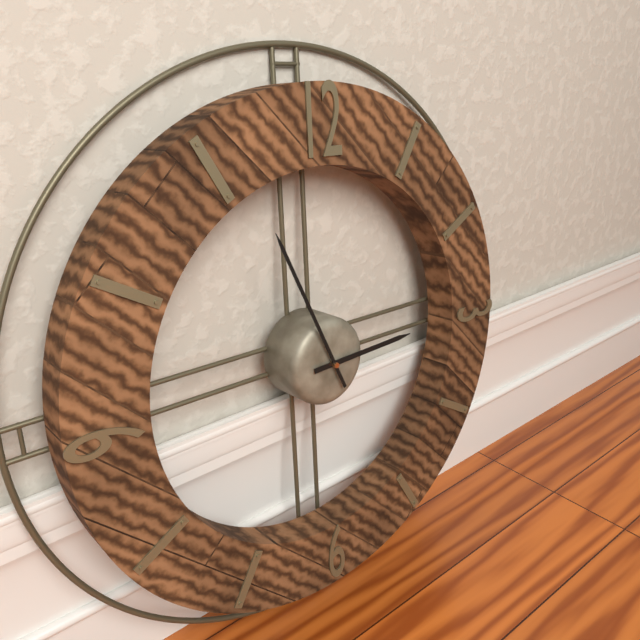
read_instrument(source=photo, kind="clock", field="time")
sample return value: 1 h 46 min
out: 2 h 56 min
